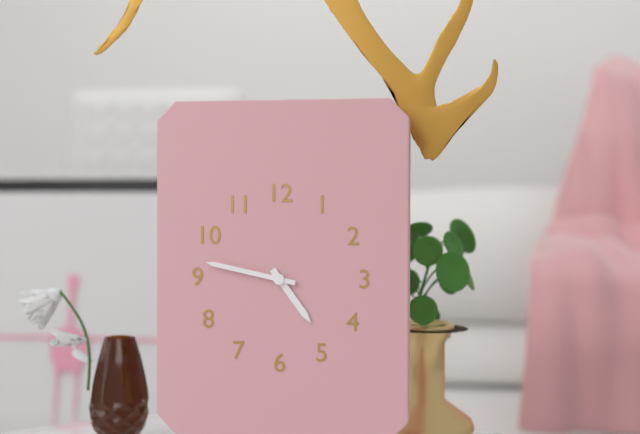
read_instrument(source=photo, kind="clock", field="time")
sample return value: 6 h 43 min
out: 4 h 47 min
